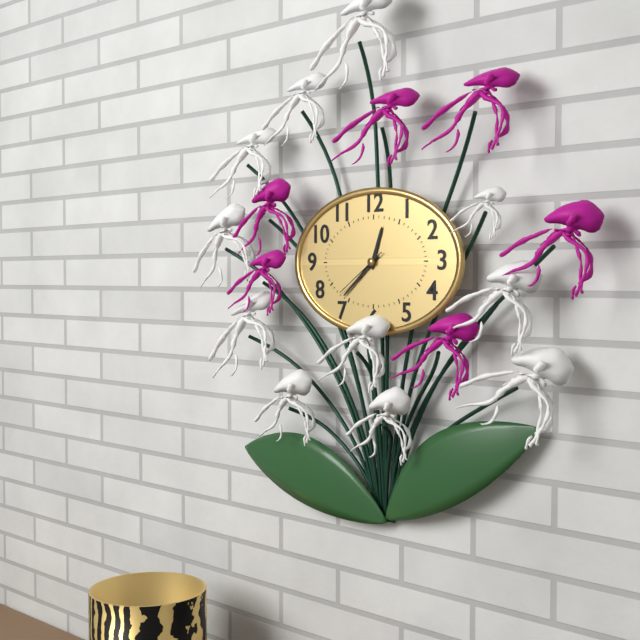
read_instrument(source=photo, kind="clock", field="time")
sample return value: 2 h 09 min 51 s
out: 12 h 38 min 39 s
